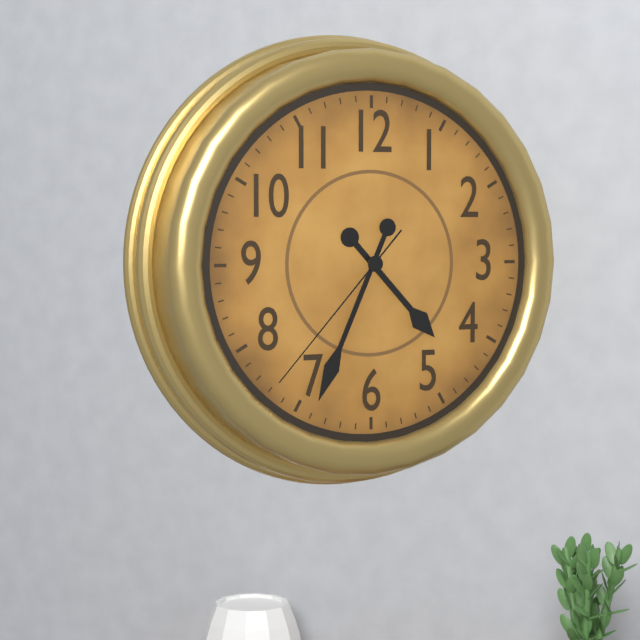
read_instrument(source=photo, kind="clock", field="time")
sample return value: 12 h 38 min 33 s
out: 4 h 34 min 37 s
